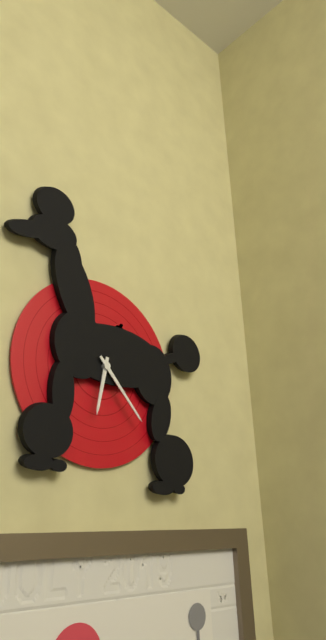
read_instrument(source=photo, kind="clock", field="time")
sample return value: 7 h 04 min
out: 6 h 23 min
